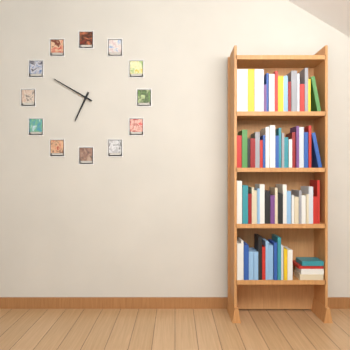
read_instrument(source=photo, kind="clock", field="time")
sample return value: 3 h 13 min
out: 6 h 50 min
